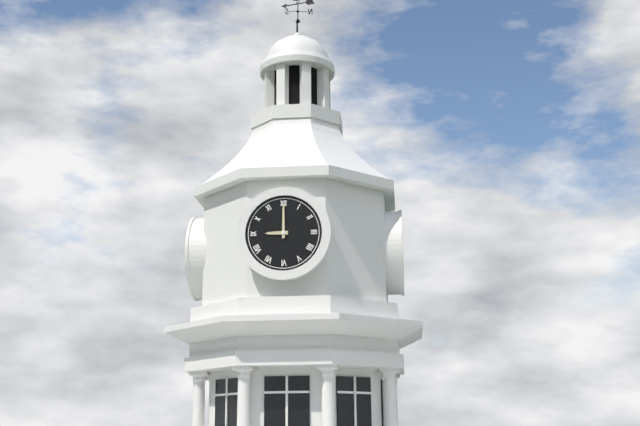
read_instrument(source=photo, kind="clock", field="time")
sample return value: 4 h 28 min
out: 9 h 00 min
